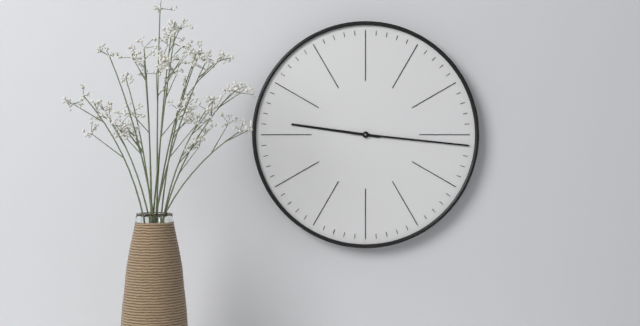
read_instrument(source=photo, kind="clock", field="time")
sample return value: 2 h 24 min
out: 9 h 16 min
